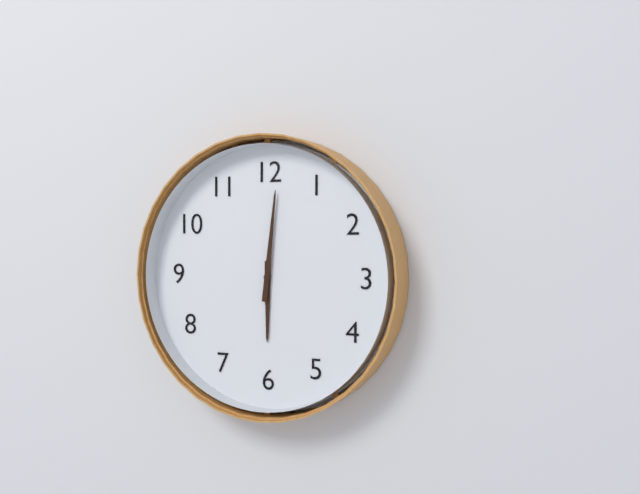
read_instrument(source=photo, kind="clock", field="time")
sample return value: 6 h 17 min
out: 6 h 01 min
